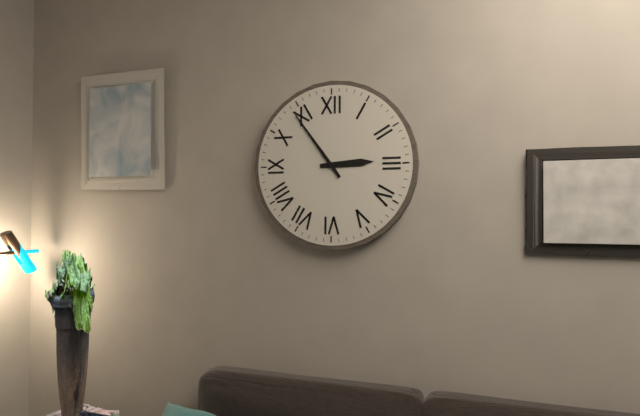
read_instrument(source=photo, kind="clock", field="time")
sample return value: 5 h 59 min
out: 2 h 54 min
